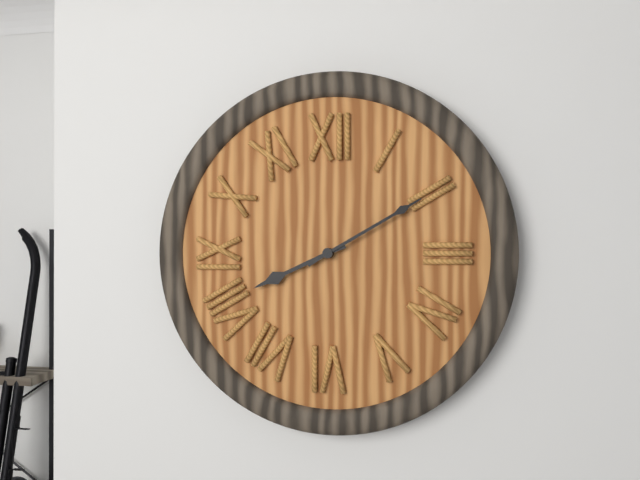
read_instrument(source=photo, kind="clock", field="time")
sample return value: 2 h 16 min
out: 8 h 10 min
